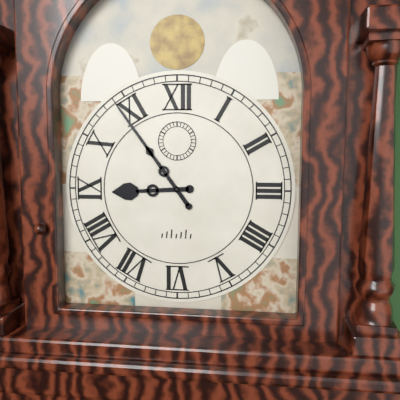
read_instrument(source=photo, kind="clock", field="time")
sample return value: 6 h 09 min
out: 8 h 54 min
